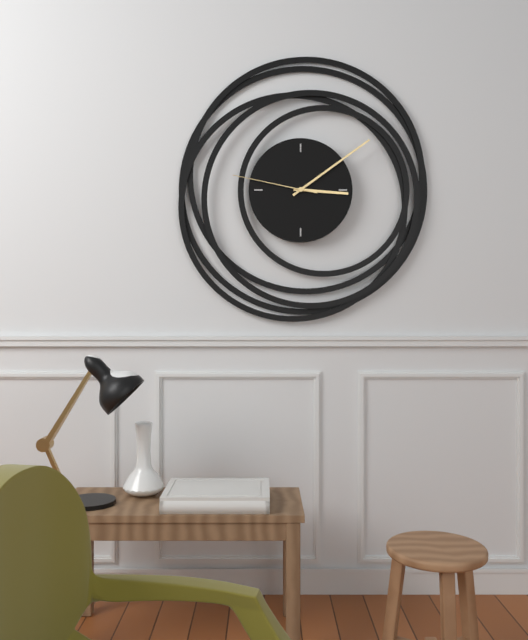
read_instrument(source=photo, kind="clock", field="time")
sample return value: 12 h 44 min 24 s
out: 3 h 09 min 47 s
